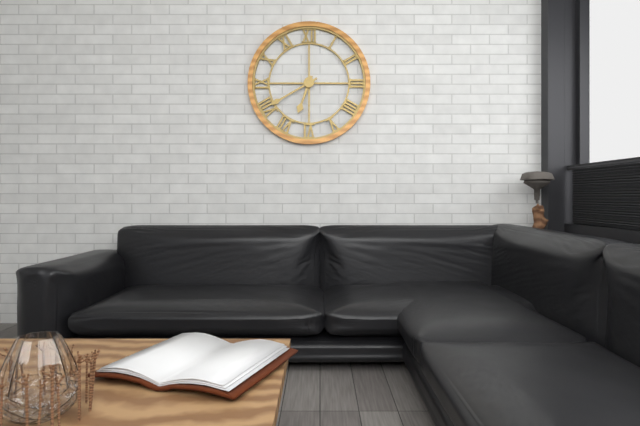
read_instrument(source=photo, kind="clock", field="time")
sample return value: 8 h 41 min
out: 6 h 40 min
